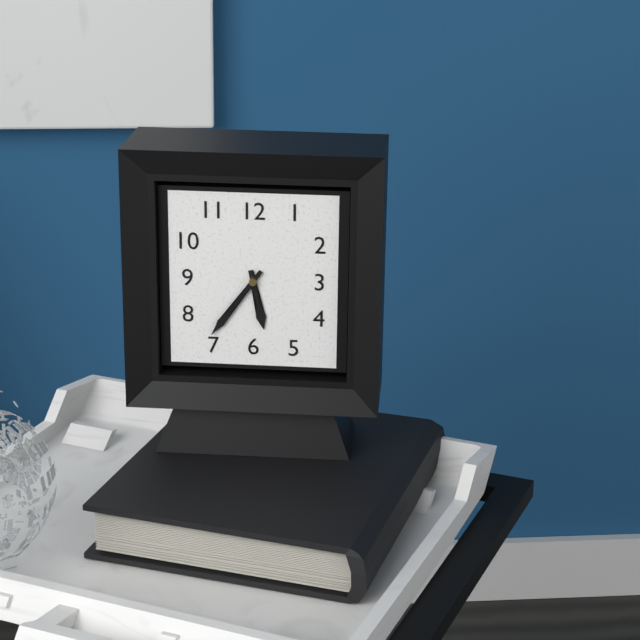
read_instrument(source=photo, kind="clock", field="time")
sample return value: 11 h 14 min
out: 5 h 36 min
